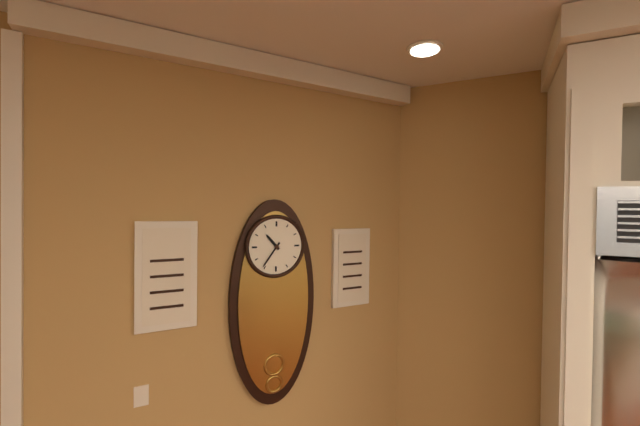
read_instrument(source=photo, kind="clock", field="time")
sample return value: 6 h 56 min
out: 10 h 36 min
